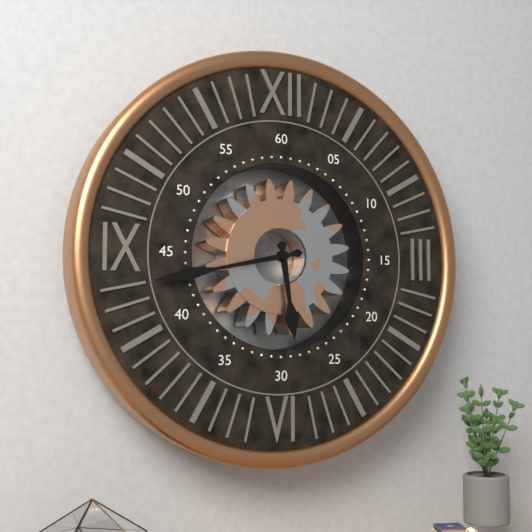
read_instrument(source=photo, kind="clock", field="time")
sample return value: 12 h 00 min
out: 5 h 43 min
